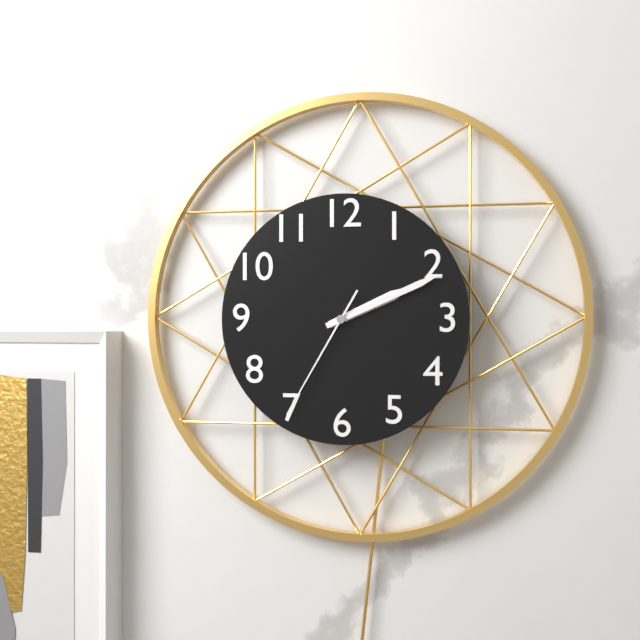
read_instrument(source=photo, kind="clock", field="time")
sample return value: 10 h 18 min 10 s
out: 2 h 11 min 35 s
